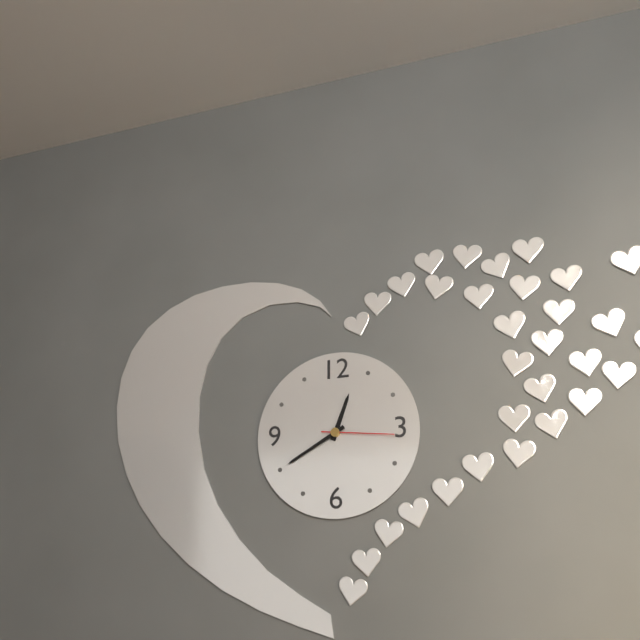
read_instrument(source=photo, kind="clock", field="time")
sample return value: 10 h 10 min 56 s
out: 12 h 40 min 16 s
